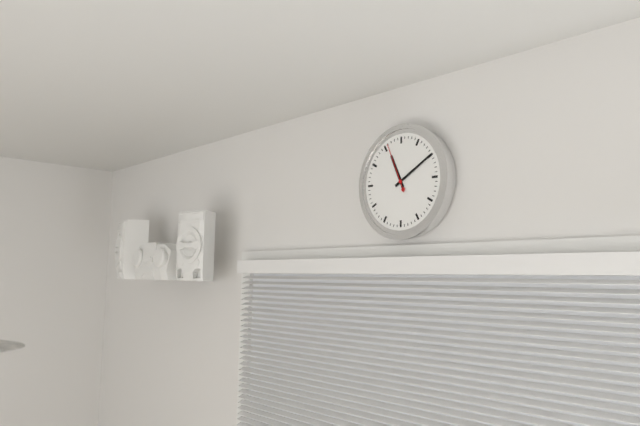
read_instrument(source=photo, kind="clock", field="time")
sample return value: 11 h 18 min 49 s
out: 11 h 10 min 56 s
